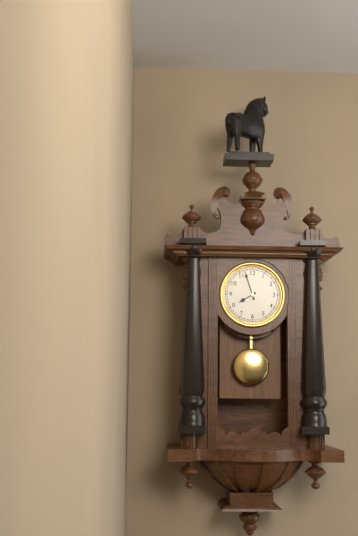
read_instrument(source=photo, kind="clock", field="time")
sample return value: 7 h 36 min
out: 7 h 57 min
